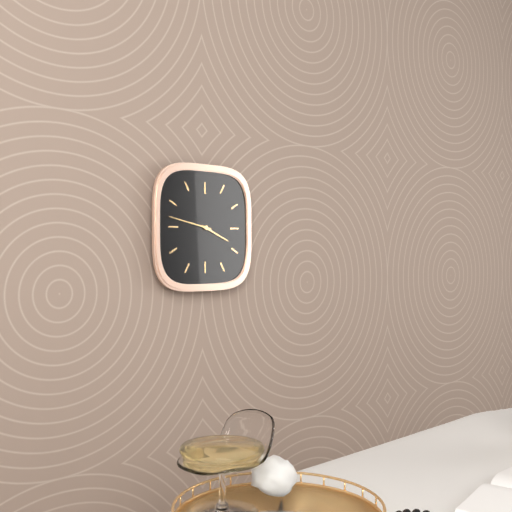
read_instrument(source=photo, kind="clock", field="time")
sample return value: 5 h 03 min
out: 3 h 47 min
